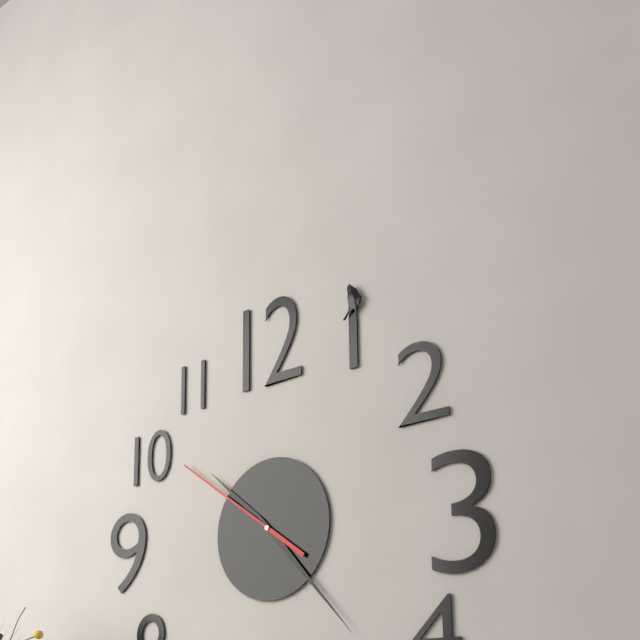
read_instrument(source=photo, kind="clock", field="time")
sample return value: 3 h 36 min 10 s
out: 10 h 23 min 51 s
